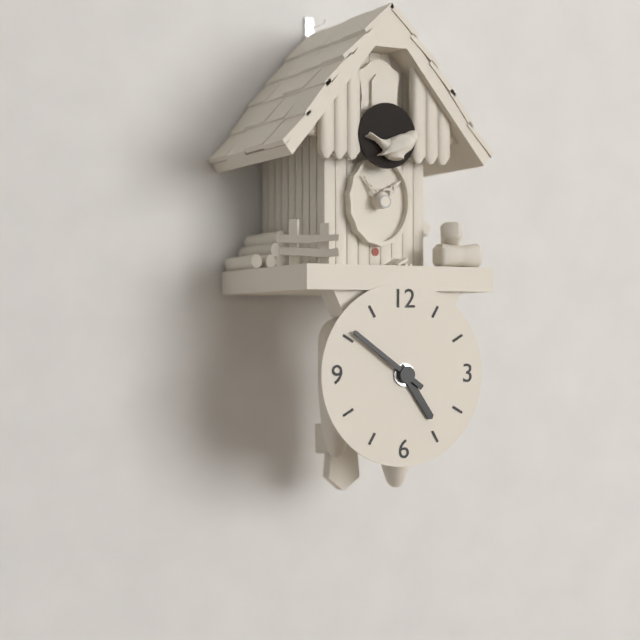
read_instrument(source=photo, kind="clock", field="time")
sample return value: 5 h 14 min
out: 4 h 51 min
